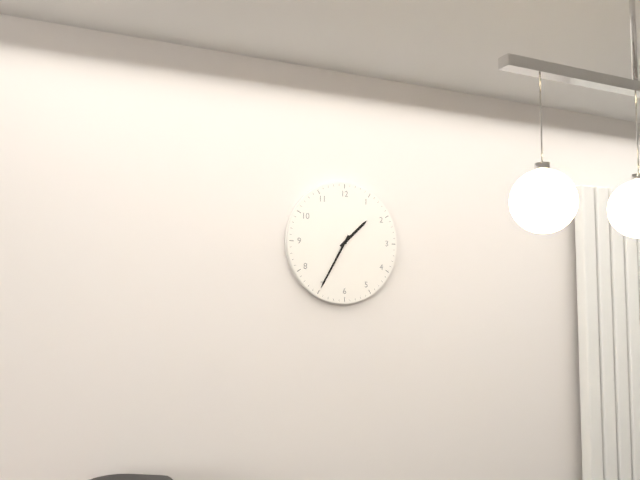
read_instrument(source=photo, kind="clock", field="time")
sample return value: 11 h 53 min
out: 1 h 35 min
